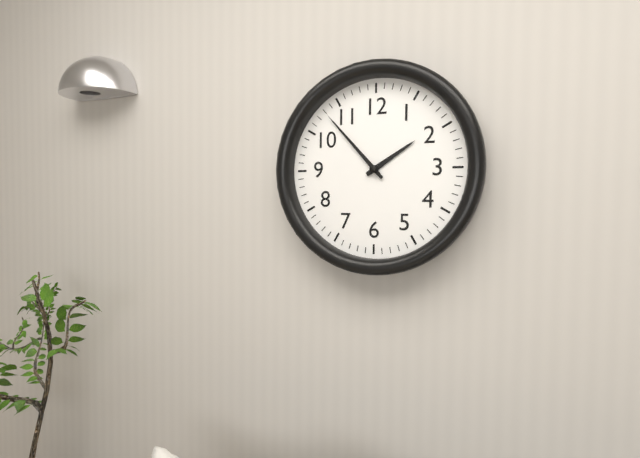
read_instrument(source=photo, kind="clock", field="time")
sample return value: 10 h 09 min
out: 1 h 53 min
